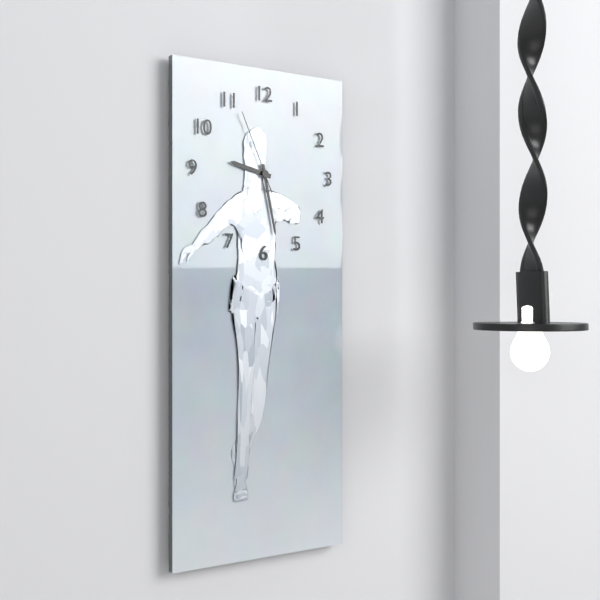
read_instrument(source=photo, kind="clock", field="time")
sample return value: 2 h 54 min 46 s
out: 9 h 28 min 56 s
